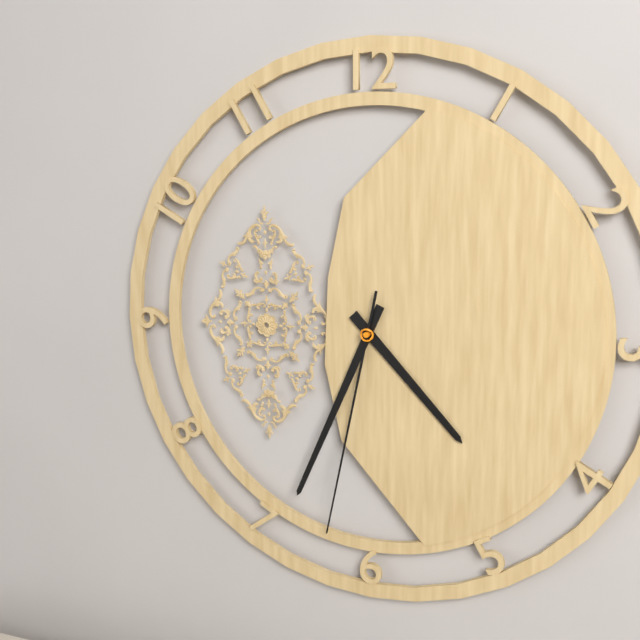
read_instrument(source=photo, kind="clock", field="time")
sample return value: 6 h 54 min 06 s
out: 4 h 34 min 32 s
